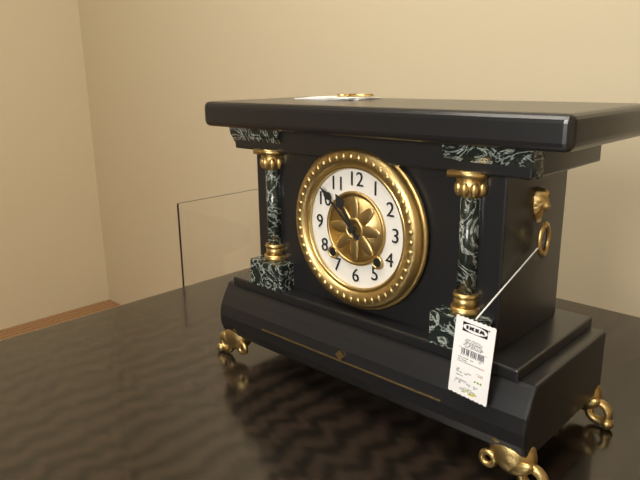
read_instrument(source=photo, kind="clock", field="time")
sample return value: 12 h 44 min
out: 10 h 52 min
